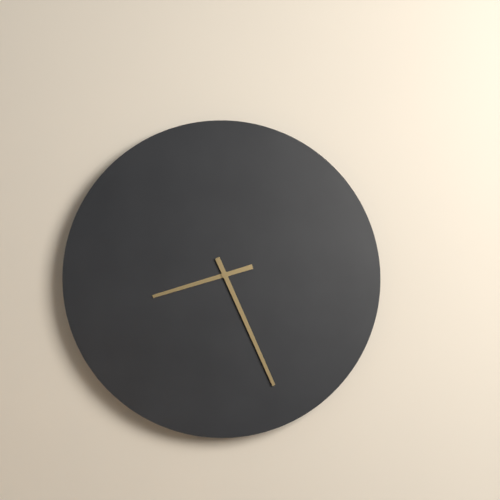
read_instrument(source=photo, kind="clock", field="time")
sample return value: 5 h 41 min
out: 8 h 26 min
